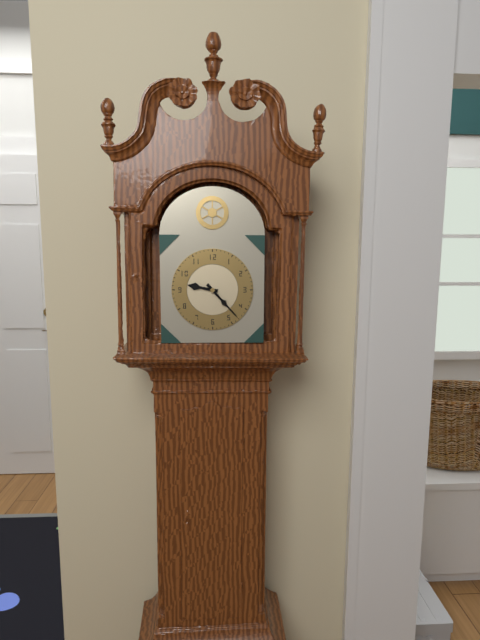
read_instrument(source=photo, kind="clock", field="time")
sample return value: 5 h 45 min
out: 9 h 23 min
